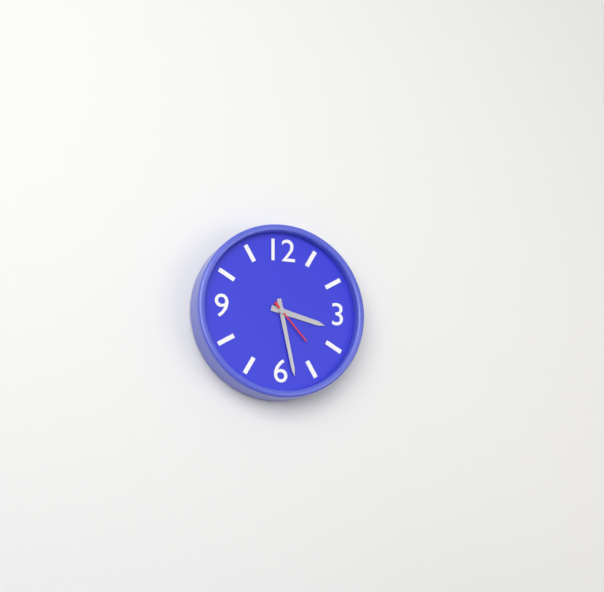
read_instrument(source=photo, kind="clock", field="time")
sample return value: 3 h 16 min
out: 3 h 28 min
